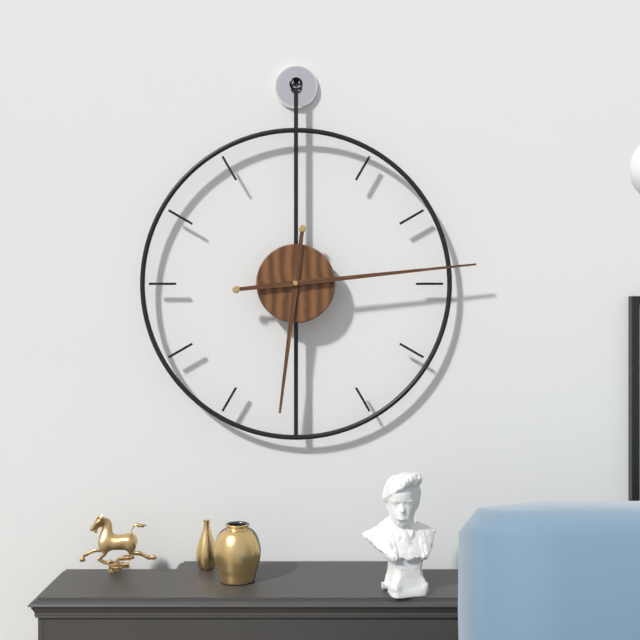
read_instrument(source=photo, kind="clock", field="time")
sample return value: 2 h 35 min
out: 6 h 14 min
